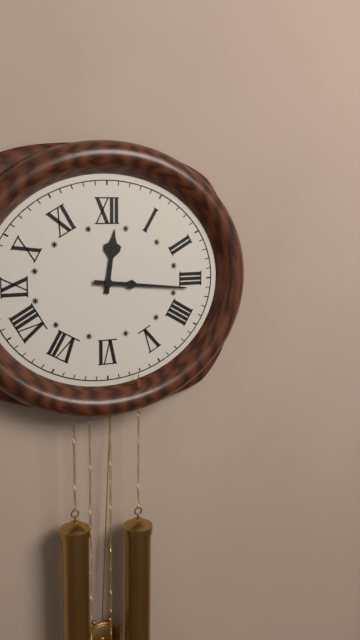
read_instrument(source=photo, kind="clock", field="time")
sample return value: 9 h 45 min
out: 12 h 16 min
